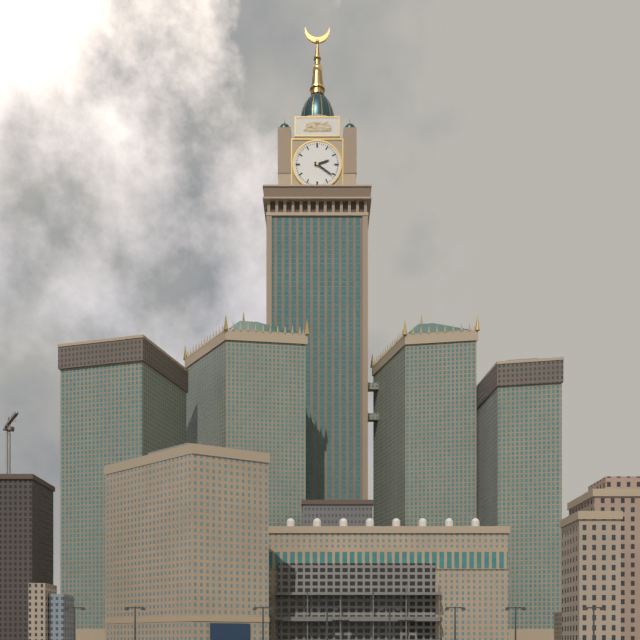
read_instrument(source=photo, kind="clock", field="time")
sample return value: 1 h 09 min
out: 2 h 21 min
